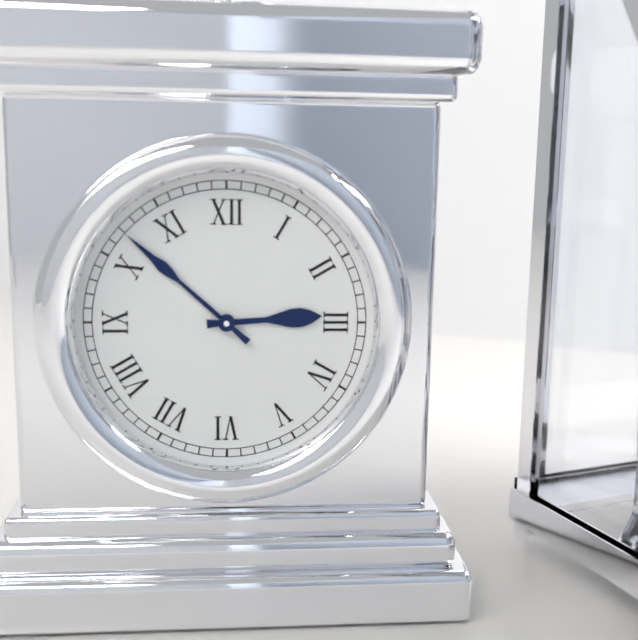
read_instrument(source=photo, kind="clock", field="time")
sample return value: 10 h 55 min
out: 2 h 52 min
